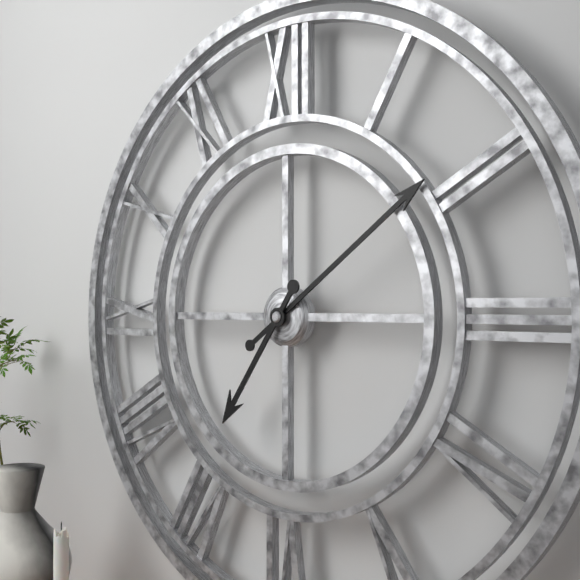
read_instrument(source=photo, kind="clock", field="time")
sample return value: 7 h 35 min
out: 7 h 09 min
